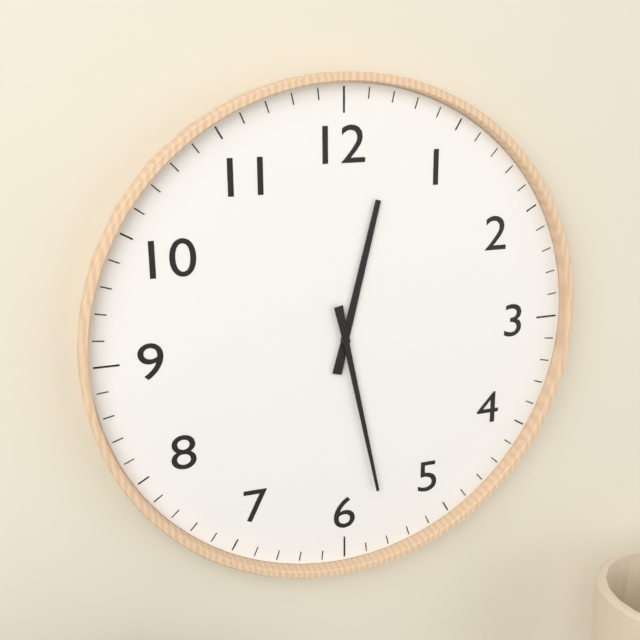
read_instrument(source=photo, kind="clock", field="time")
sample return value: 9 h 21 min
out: 12 h 28 min
